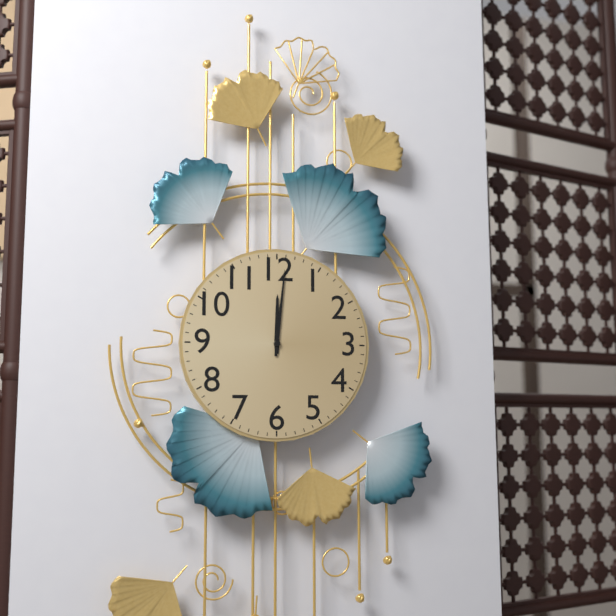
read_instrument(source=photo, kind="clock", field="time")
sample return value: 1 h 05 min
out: 12 h 01 min
